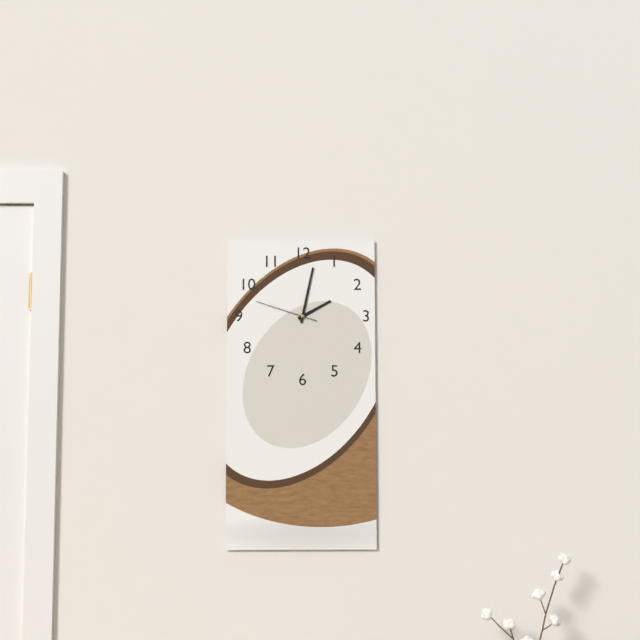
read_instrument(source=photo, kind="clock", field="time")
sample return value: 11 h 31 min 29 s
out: 2 h 02 min 48 s
